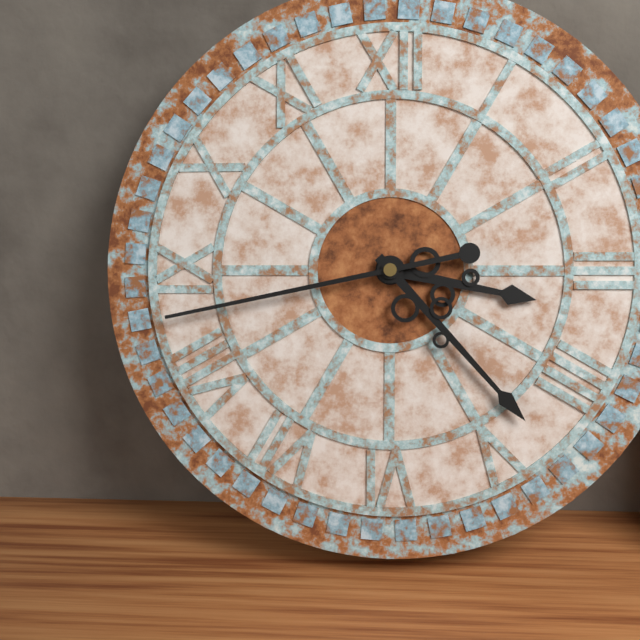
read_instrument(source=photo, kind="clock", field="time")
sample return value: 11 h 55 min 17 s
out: 3 h 23 min 43 s
